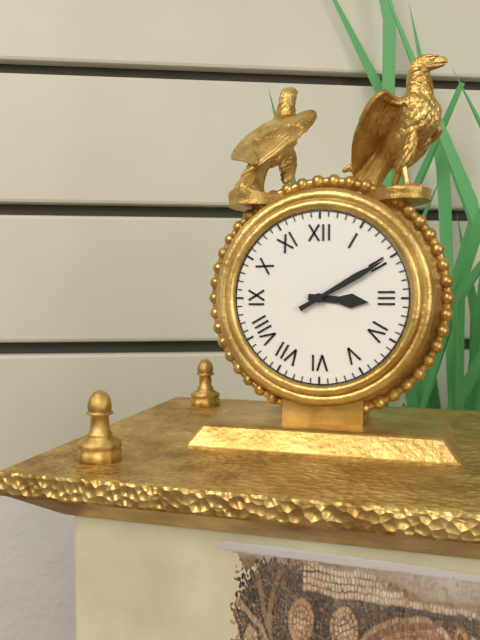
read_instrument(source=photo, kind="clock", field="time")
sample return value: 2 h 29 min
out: 3 h 10 min
